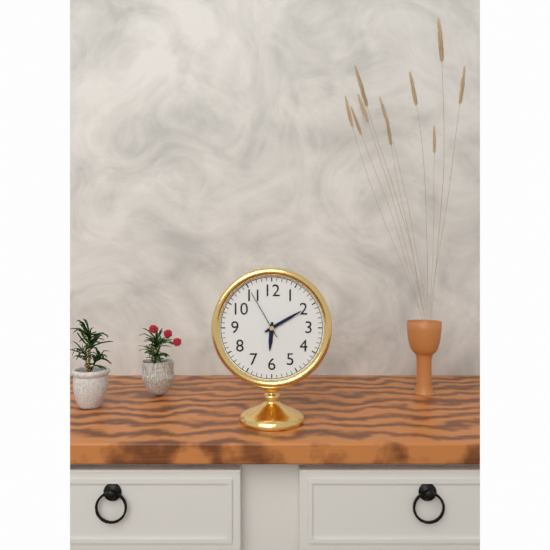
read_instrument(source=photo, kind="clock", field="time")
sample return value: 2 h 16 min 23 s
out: 6 h 10 min 55 s
